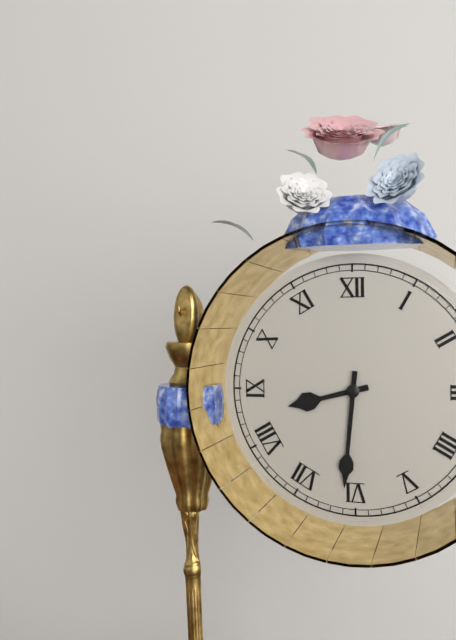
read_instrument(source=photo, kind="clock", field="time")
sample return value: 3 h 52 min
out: 8 h 31 min
